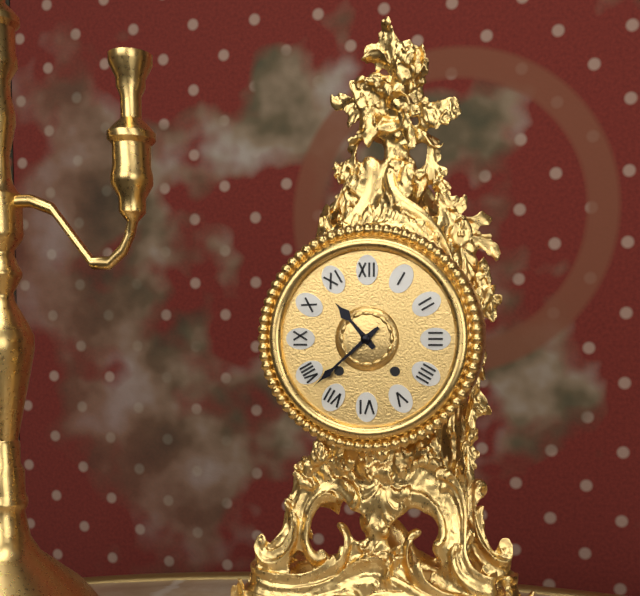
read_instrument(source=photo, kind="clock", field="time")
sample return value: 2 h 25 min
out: 10 h 38 min
